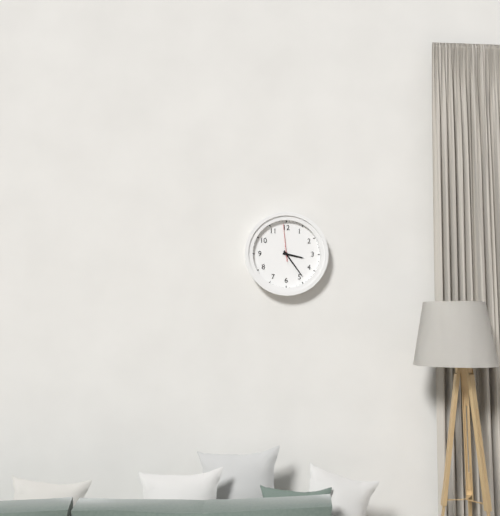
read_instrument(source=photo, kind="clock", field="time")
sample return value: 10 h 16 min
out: 3 h 24 min
